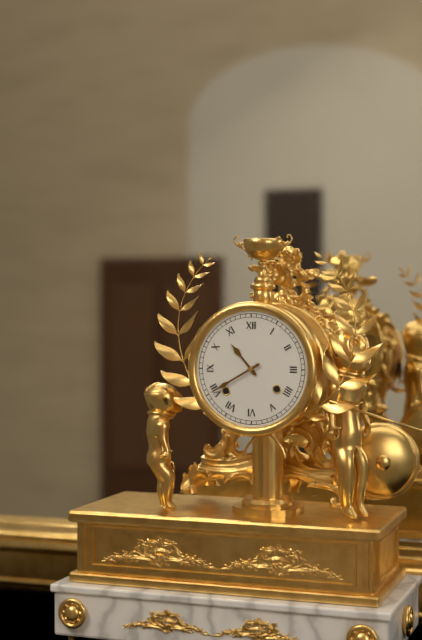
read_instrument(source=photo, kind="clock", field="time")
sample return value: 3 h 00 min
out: 10 h 40 min
